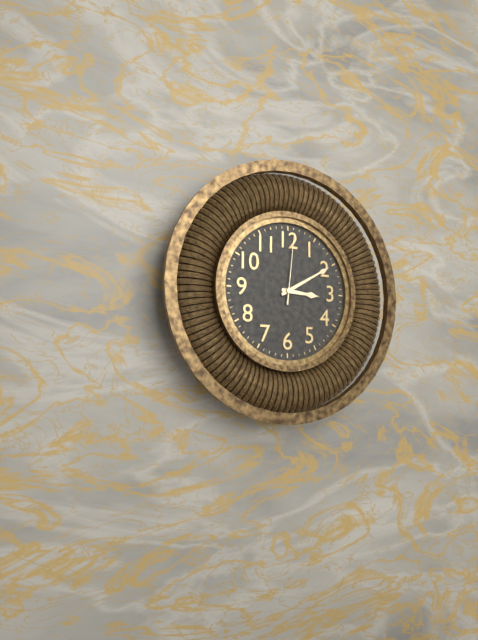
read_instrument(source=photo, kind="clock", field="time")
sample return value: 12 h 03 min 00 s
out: 3 h 10 min 01 s
